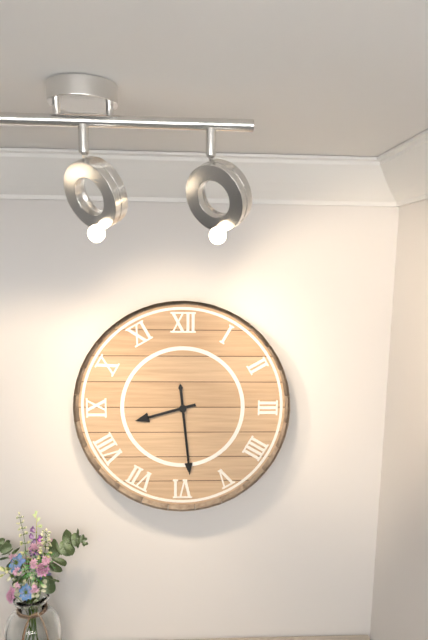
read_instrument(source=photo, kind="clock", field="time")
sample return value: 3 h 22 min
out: 8 h 29 min
